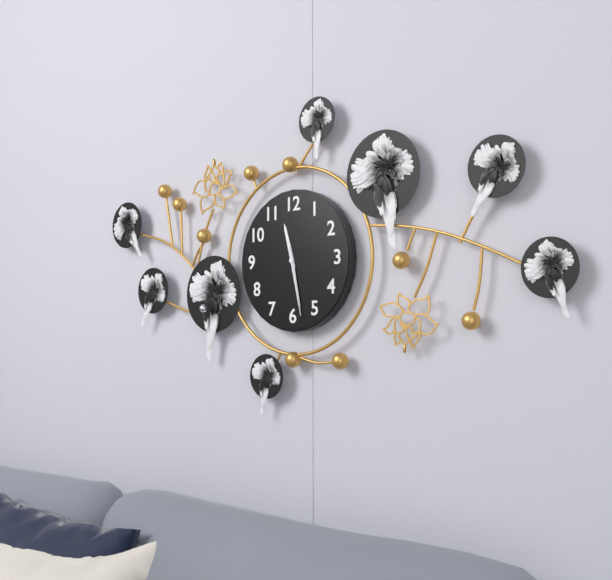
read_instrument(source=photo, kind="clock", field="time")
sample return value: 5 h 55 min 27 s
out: 11 h 28 min 28 s
